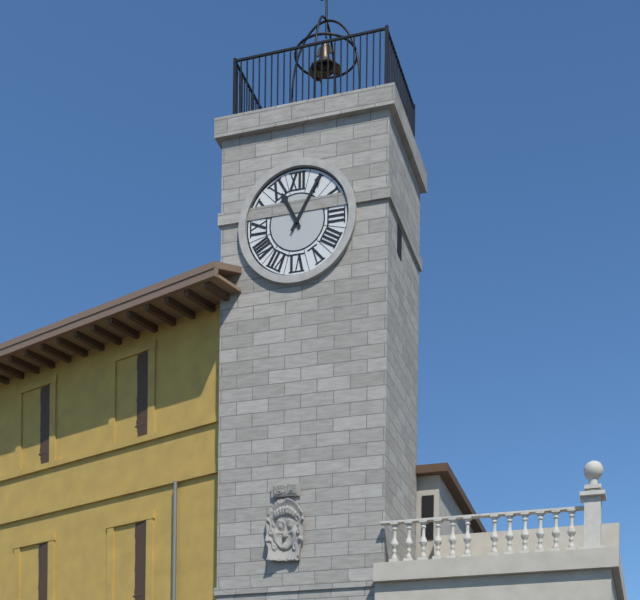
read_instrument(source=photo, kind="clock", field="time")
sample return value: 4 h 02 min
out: 11 h 05 min
